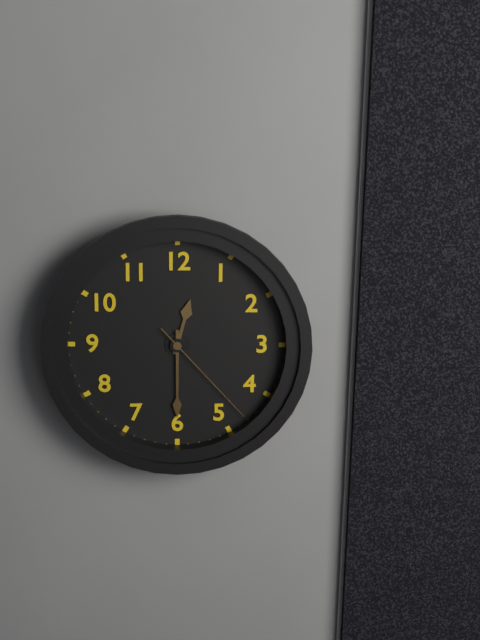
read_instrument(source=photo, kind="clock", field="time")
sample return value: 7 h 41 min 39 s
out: 12 h 30 min 23 s
